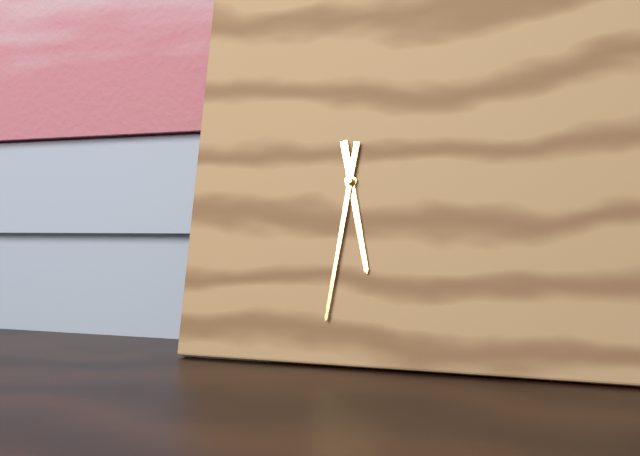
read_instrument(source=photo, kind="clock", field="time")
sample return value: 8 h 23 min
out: 5 h 31 min
